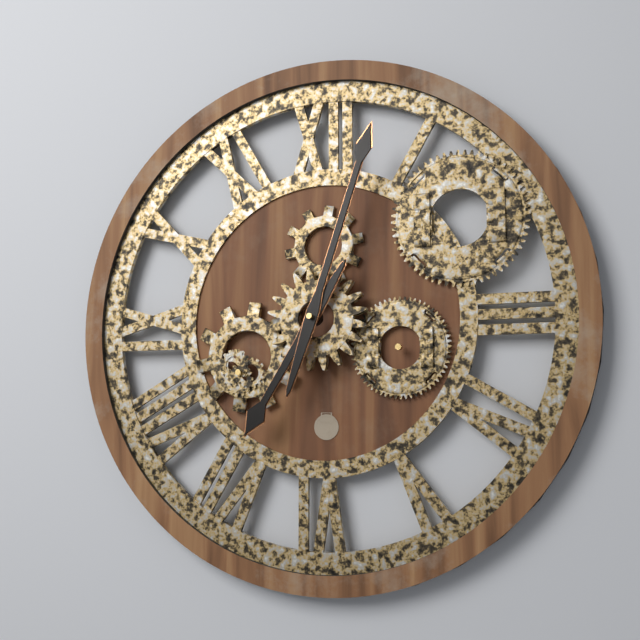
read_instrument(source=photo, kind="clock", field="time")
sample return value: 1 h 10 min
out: 7 h 03 min
